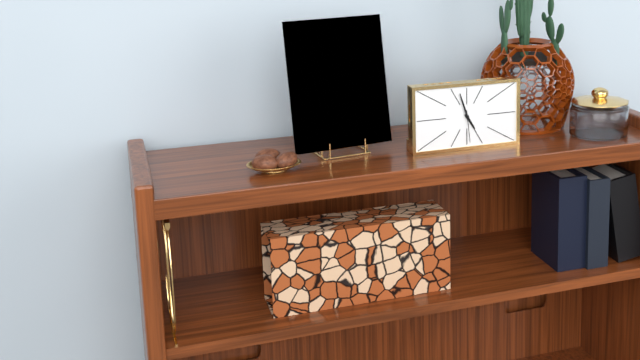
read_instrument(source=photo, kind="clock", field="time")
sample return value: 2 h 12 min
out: 4 h 57 min
